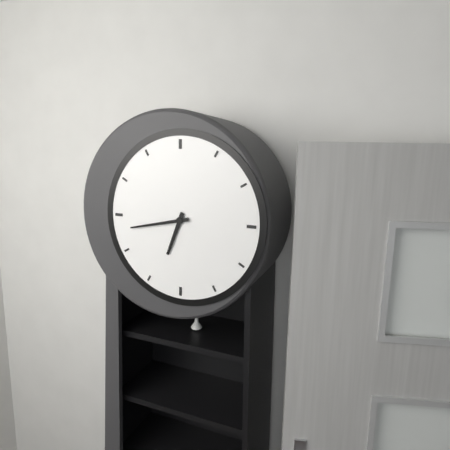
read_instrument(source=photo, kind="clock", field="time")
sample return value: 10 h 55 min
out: 6 h 43 min
